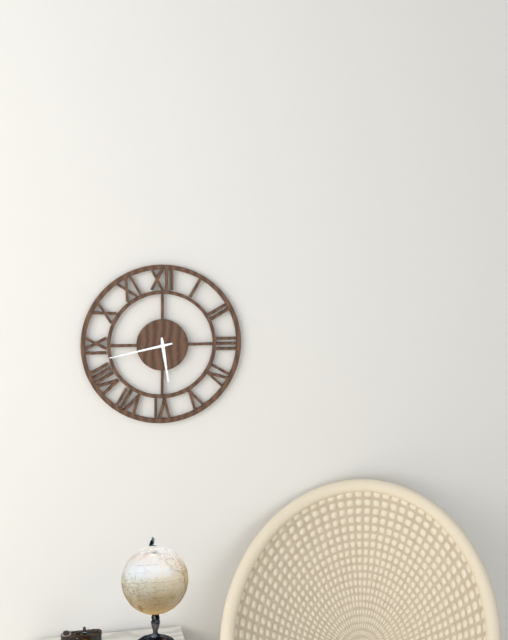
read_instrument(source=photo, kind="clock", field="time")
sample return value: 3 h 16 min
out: 5 h 43 min
